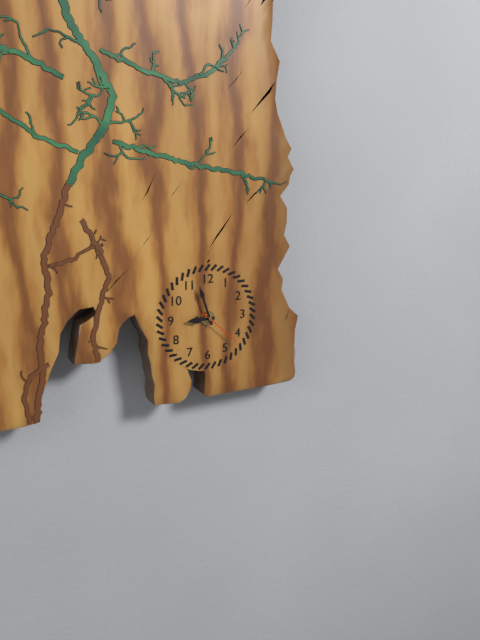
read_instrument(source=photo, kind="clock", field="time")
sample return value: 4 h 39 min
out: 8 h 57 min
